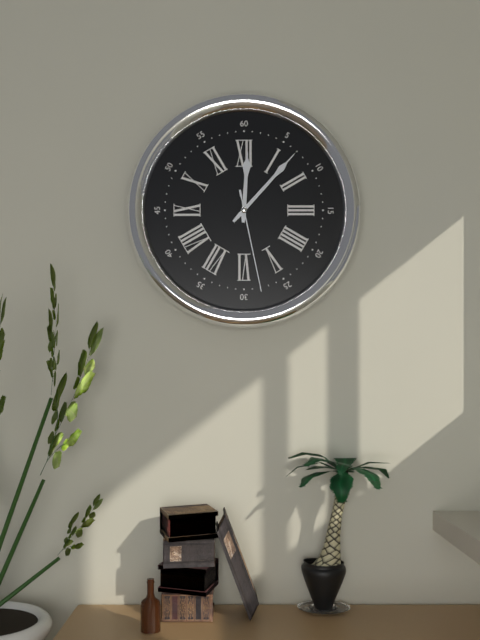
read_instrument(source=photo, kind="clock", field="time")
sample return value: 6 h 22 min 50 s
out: 12 h 07 min 28 s
